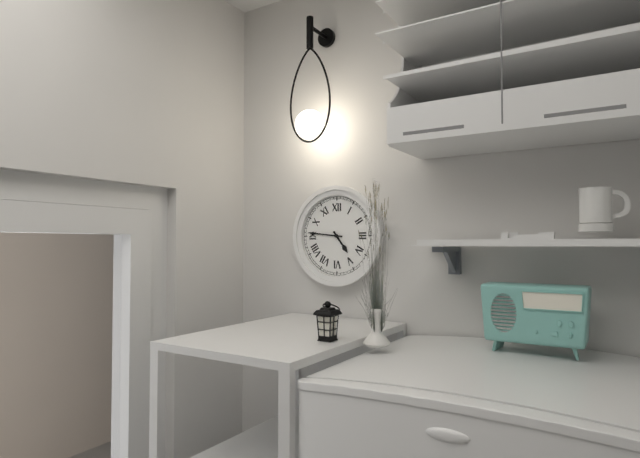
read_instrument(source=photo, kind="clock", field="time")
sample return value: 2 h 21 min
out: 4 h 46 min
